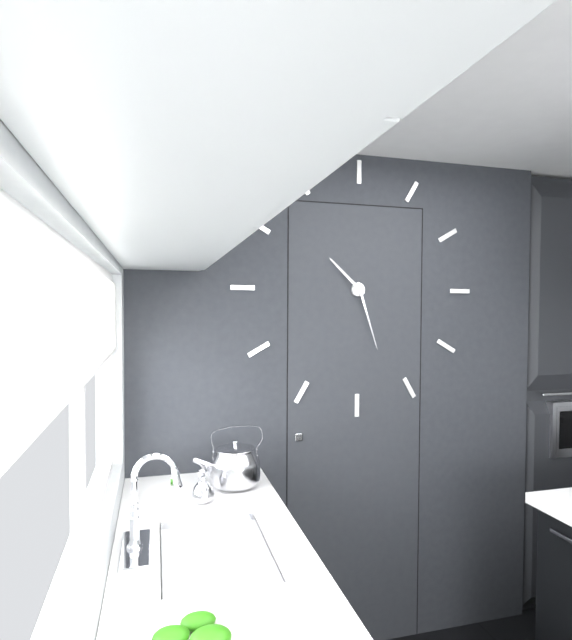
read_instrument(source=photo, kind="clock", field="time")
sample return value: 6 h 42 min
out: 10 h 27 min
